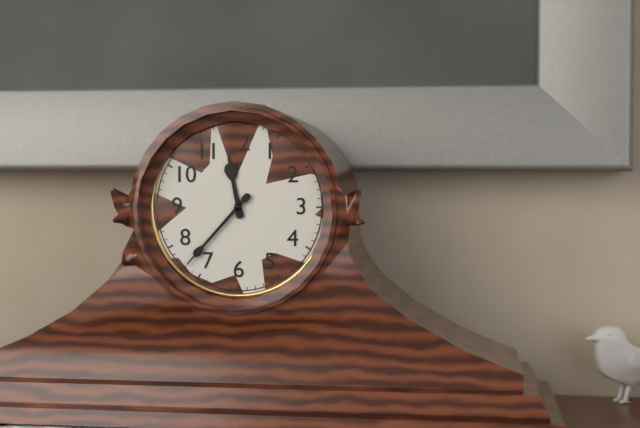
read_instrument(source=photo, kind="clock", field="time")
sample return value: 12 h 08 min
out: 11 h 37 min
